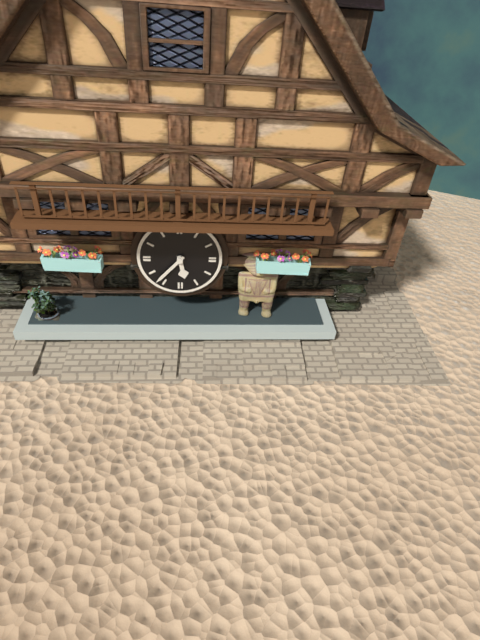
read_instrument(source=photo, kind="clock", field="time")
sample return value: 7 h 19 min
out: 5 h 37 min
